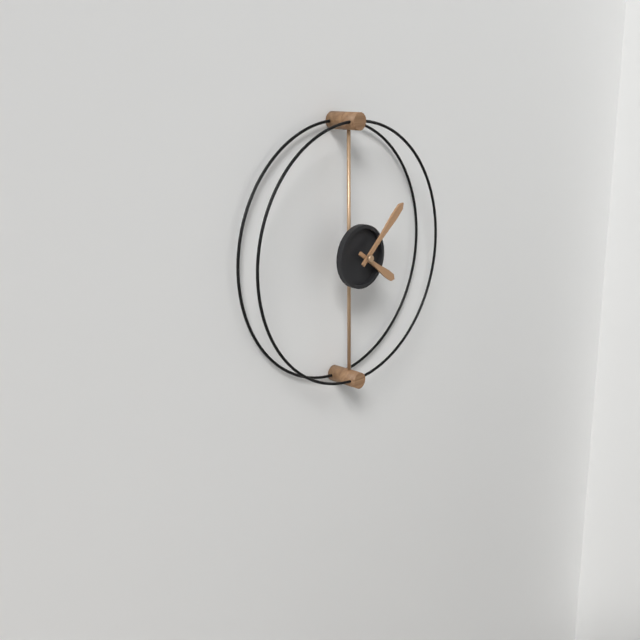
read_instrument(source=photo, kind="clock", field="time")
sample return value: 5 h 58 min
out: 4 h 08 min
